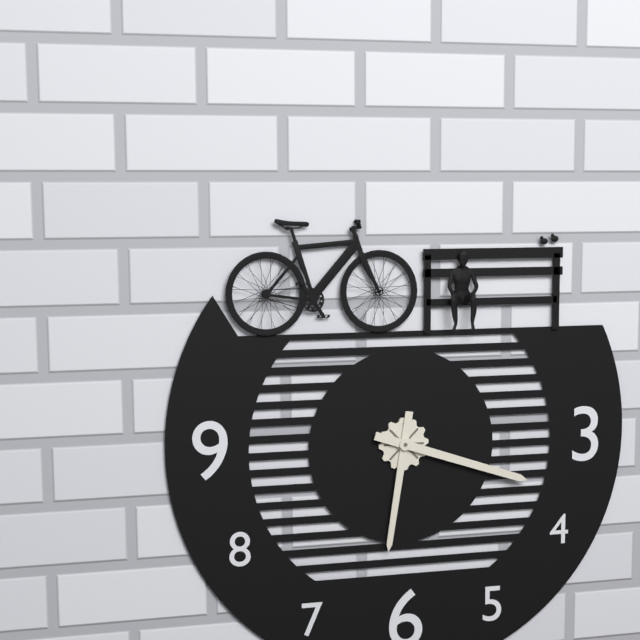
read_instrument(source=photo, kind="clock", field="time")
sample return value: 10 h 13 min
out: 6 h 18 min
